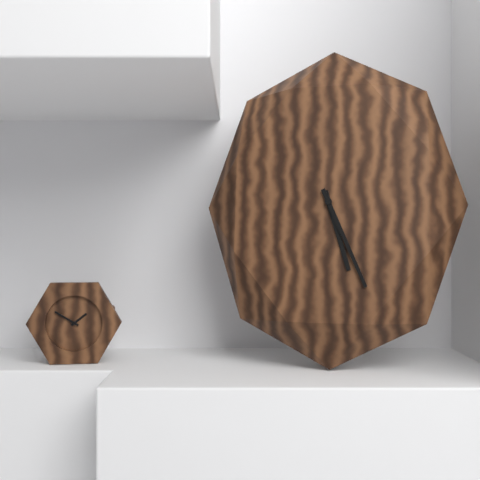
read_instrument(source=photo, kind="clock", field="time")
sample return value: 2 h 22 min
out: 5 h 26 min
